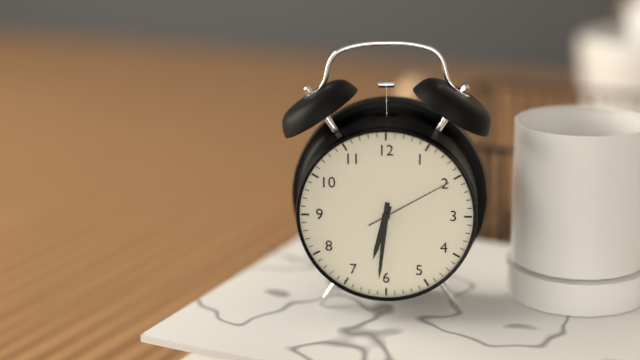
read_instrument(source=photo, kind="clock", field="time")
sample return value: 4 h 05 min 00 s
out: 6 h 31 min 10 s
